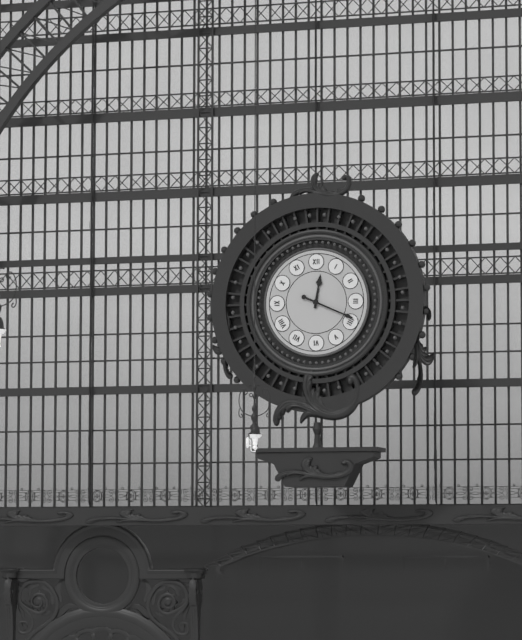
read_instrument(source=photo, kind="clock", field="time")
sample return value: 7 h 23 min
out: 12 h 19 min
